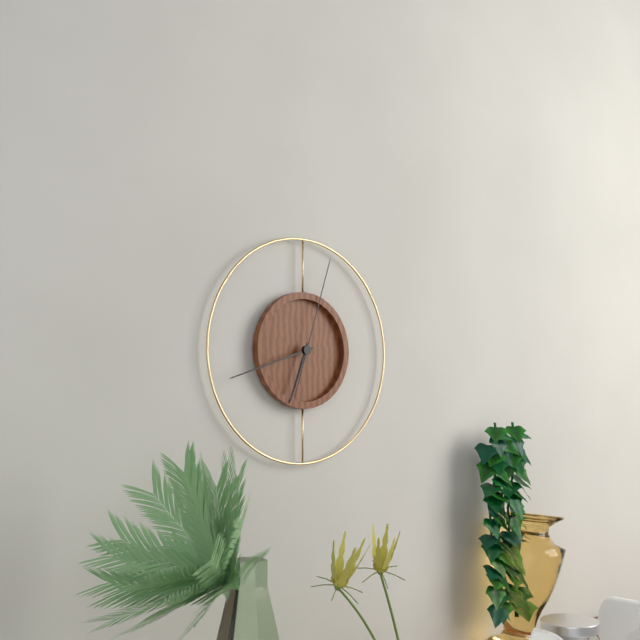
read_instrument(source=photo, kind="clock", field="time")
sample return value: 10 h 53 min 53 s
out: 6 h 42 min 03 s
